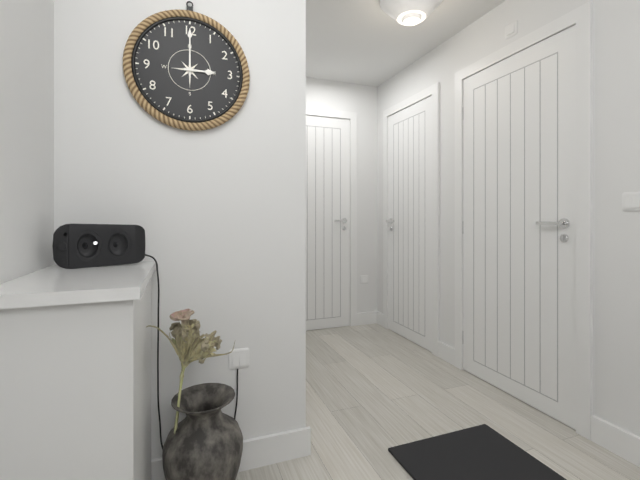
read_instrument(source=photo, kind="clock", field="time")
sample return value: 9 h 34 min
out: 3 h 00 min
